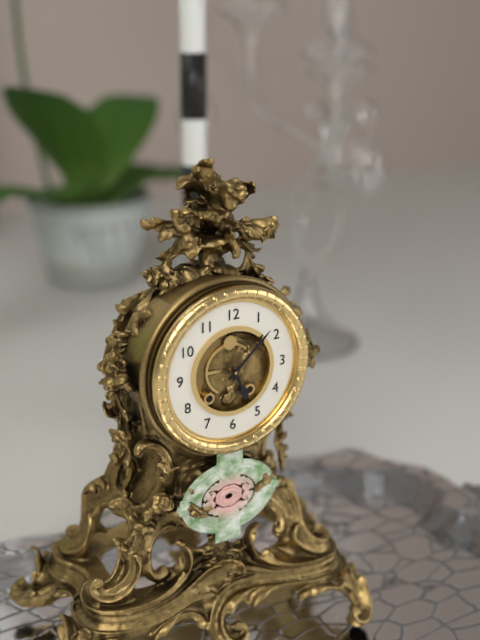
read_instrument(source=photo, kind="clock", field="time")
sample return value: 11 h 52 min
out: 5 h 08 min
